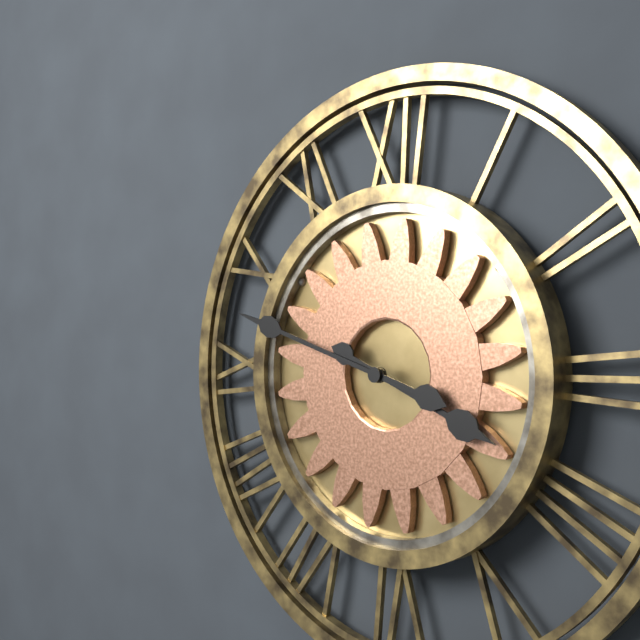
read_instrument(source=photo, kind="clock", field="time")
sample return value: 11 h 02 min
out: 3 h 48 min
